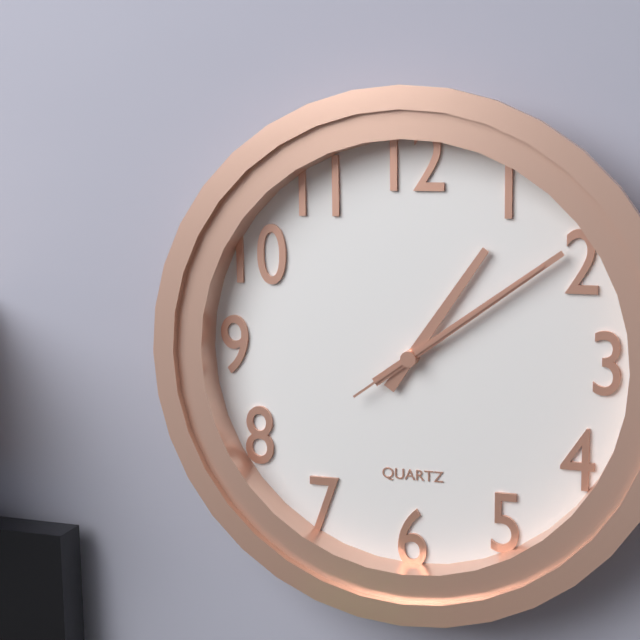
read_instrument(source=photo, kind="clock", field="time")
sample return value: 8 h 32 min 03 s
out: 1 h 09 min 09 s
